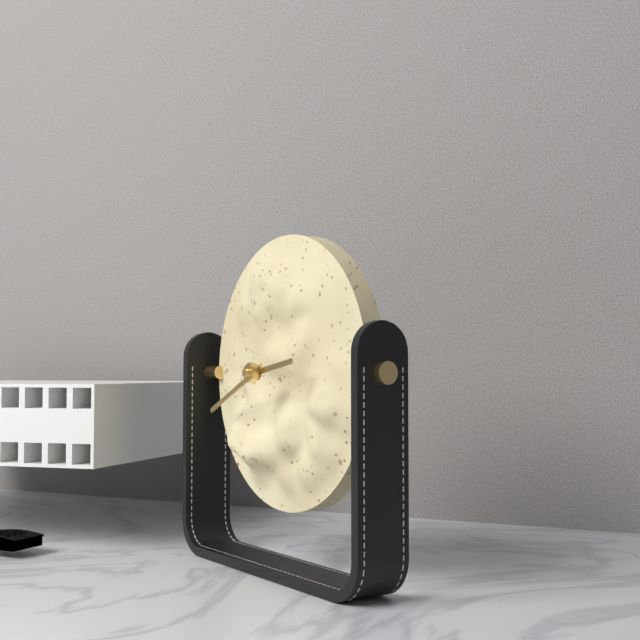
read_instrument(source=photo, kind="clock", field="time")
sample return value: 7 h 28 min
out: 2 h 41 min
